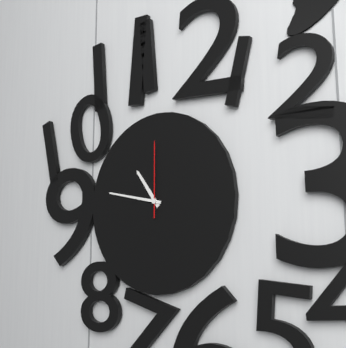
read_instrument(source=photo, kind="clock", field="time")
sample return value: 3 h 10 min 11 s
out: 10 h 47 min 00 s
